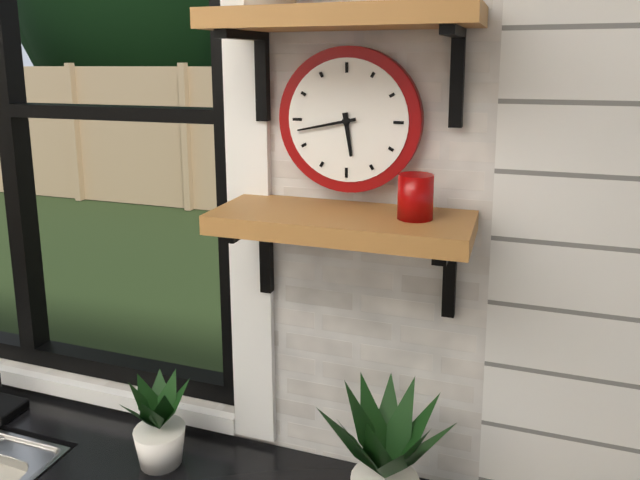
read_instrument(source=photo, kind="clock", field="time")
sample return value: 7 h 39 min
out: 5 h 43 min
